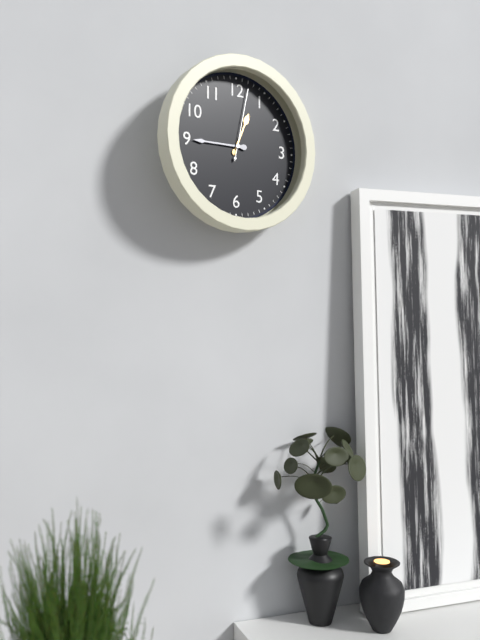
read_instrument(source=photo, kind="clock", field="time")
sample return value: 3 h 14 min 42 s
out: 12 h 45 min 02 s
